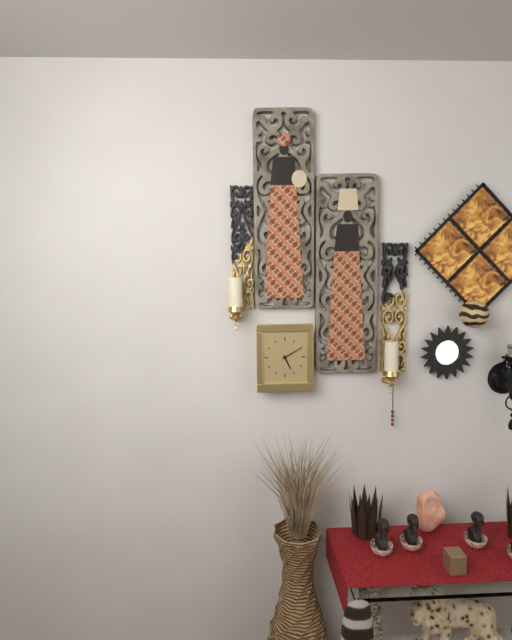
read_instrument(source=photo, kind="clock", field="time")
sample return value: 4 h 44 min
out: 5 h 10 min
